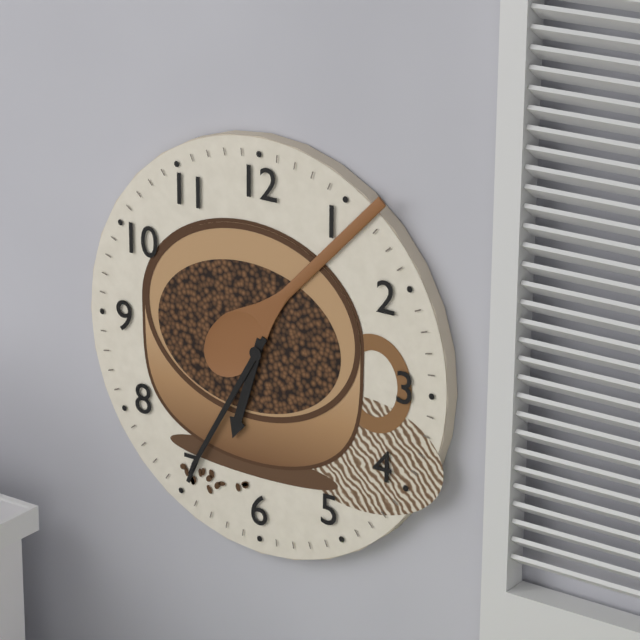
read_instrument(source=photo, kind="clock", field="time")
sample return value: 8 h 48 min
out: 6 h 35 min
